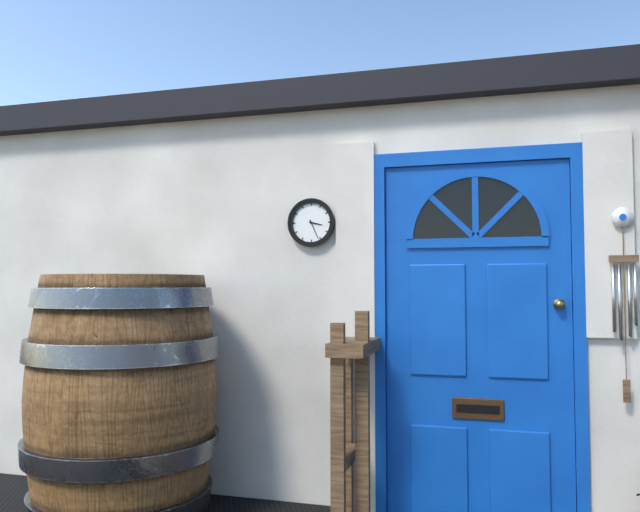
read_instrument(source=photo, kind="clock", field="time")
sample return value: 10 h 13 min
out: 3 h 26 min
